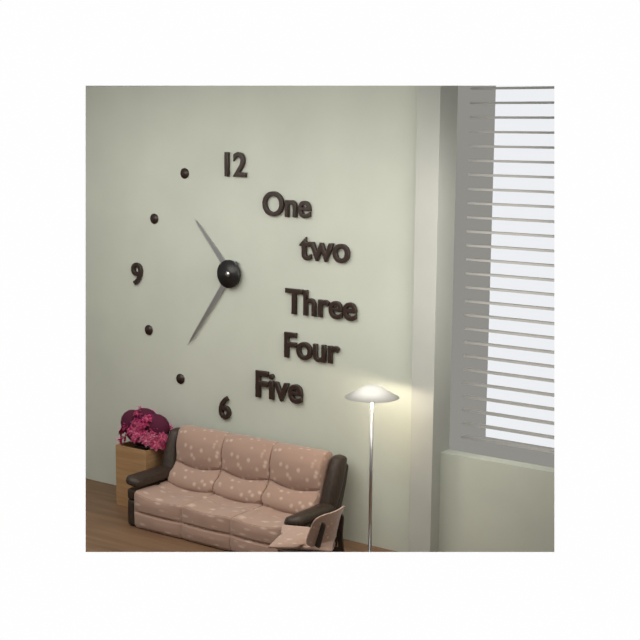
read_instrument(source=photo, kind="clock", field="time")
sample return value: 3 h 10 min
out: 10 h 36 min
